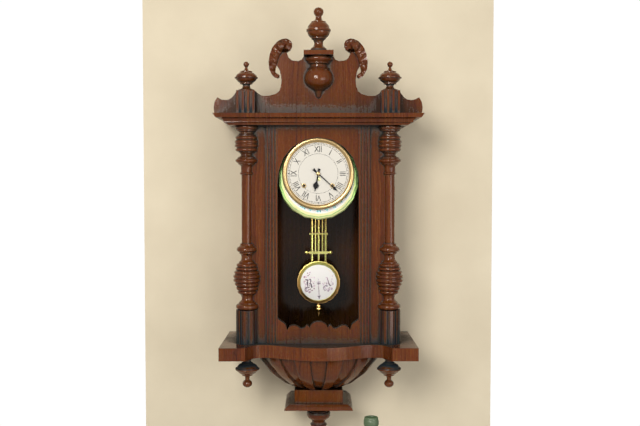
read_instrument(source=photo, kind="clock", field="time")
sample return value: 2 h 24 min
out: 6 h 22 min
